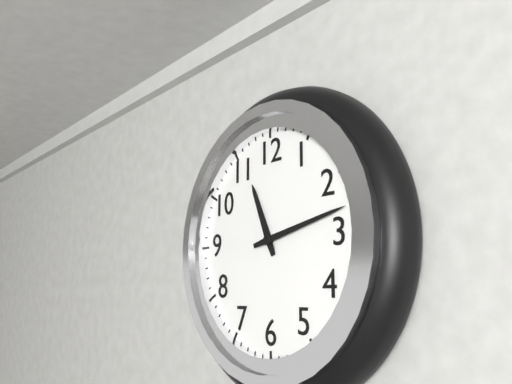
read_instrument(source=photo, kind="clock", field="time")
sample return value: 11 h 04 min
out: 11 h 13 min
